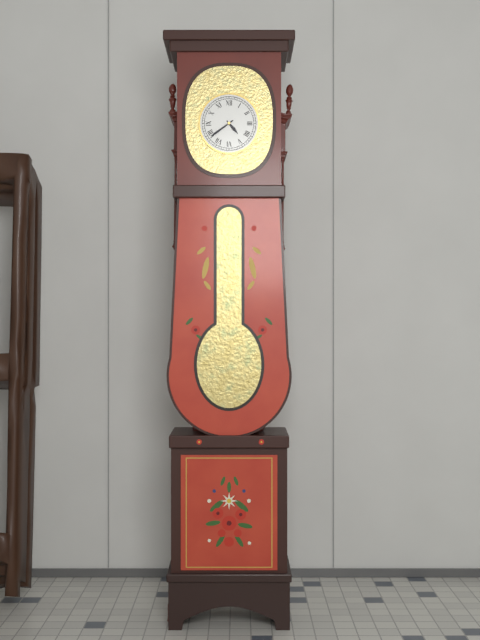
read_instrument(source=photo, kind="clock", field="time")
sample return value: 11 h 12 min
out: 4 h 39 min
